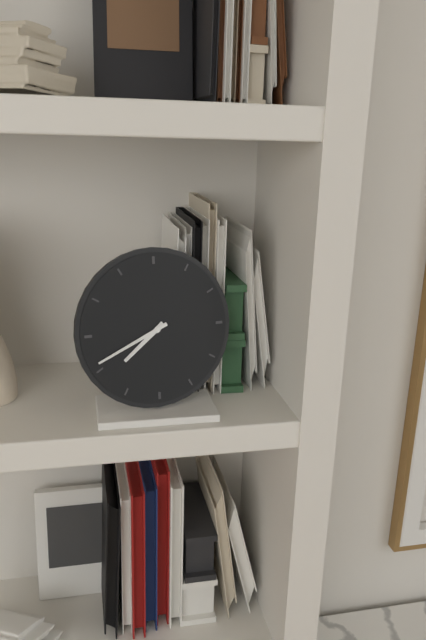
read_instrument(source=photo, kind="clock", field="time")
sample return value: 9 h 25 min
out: 7 h 41 min
